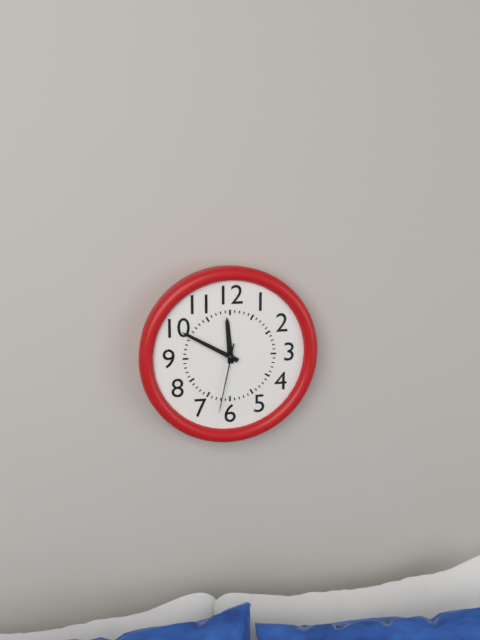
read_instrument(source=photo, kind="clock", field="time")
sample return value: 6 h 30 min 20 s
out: 11 h 50 min 32 s
